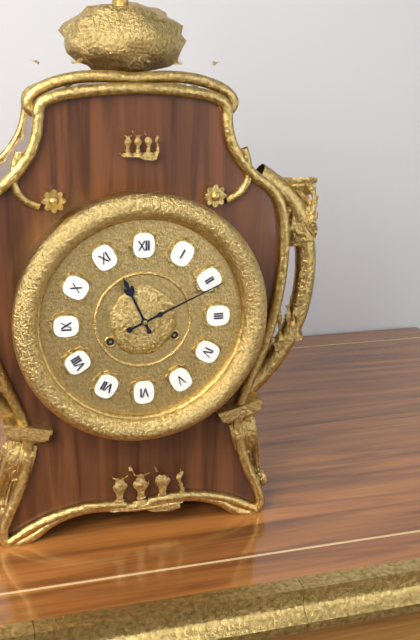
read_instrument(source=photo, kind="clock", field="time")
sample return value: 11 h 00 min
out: 11 h 11 min
